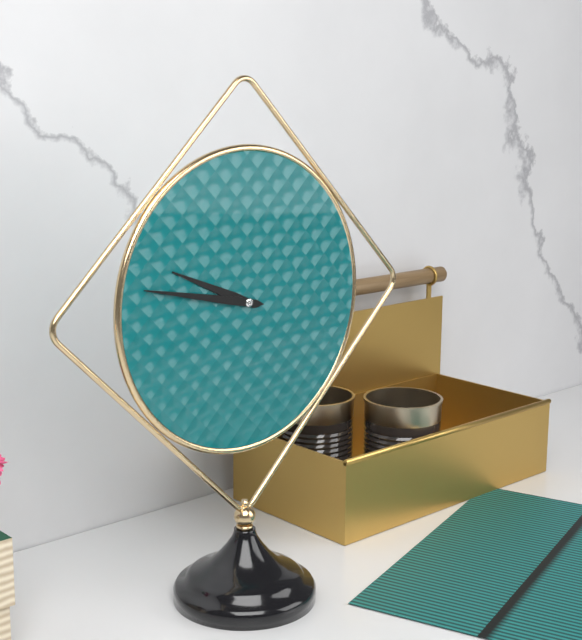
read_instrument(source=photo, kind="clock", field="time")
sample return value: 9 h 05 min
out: 9 h 47 min
